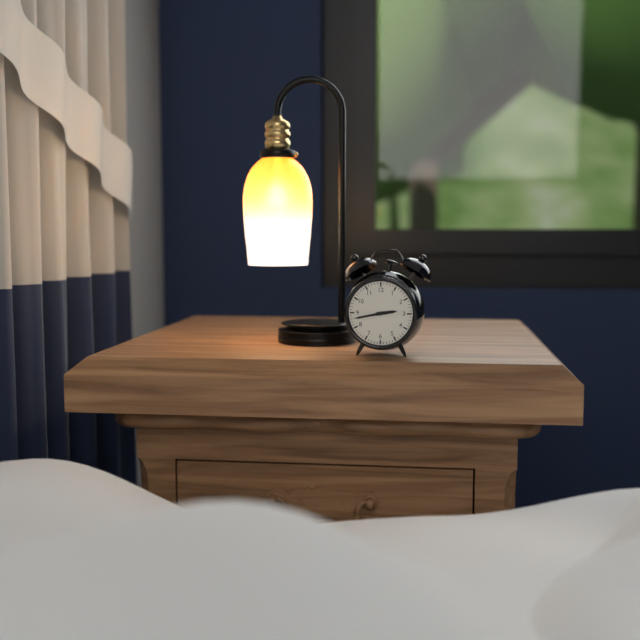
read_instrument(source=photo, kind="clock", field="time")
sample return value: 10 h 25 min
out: 2 h 43 min
